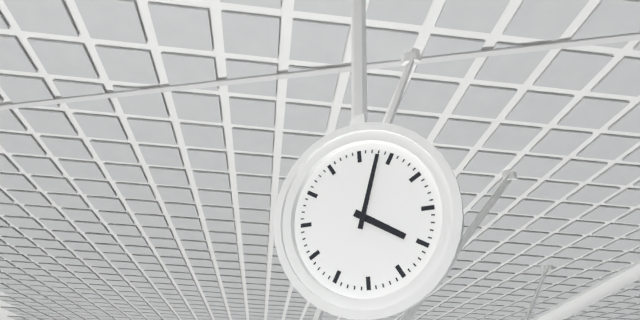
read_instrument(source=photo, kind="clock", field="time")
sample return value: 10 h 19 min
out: 4 h 03 min
